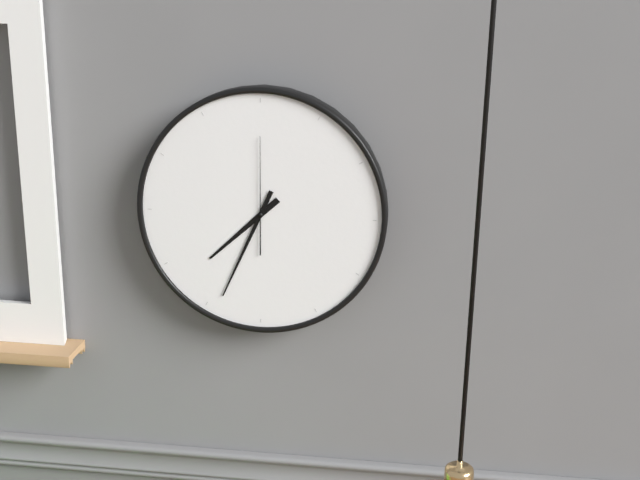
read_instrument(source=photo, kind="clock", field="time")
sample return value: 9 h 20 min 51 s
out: 7 h 34 min 00 s
